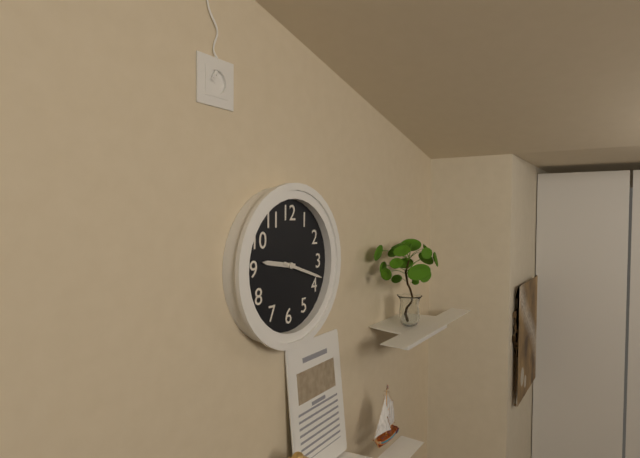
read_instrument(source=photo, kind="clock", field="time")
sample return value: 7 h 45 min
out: 9 h 18 min
